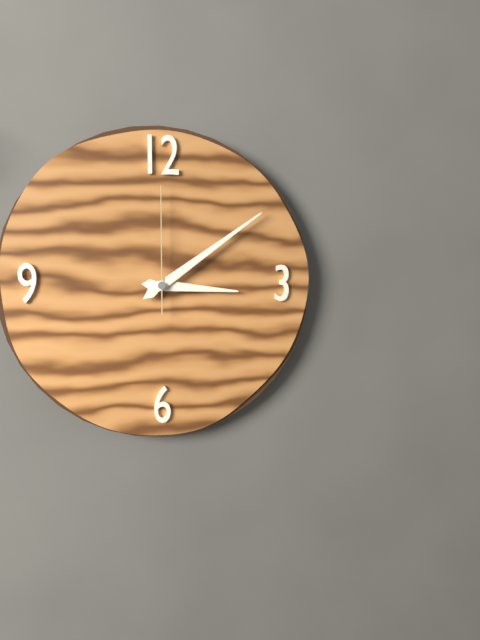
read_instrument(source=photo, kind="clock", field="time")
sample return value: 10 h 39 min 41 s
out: 3 h 09 min 00 s
